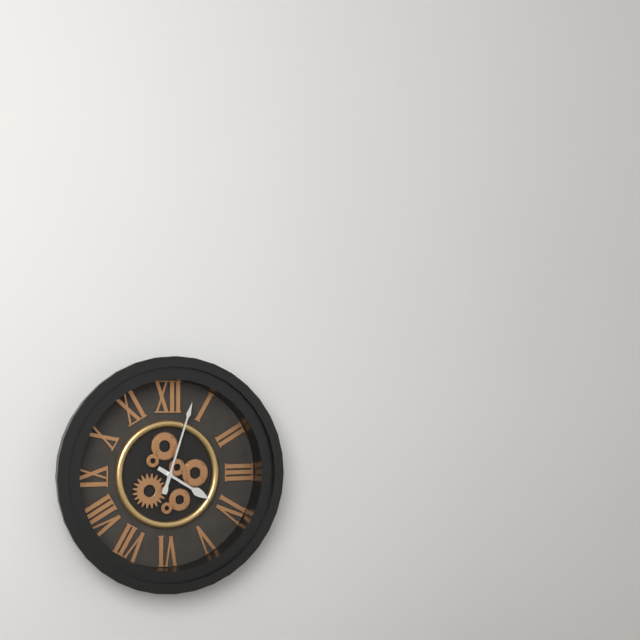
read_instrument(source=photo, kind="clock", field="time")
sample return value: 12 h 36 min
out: 4 h 03 min
